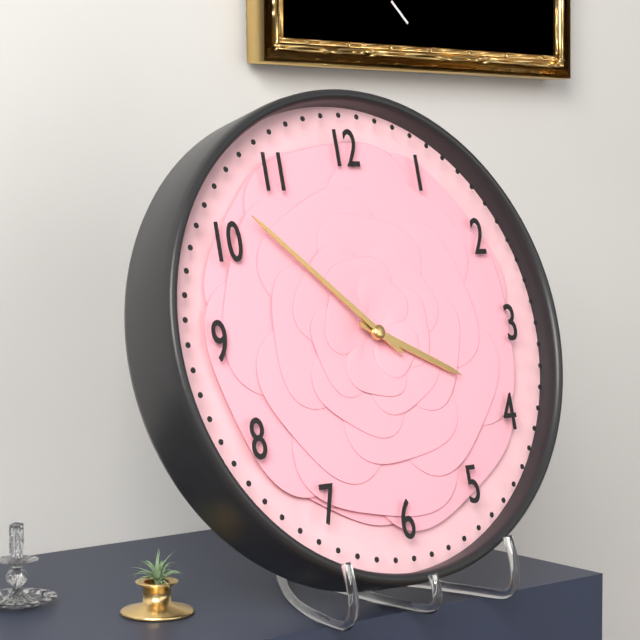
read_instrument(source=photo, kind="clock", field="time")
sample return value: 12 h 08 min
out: 3 h 52 min
